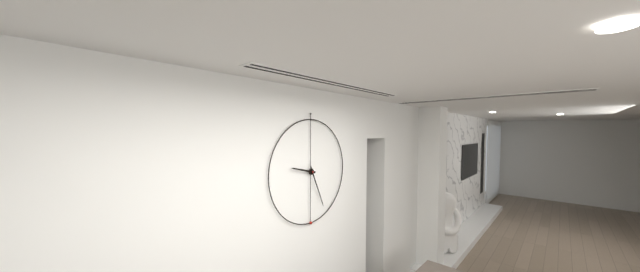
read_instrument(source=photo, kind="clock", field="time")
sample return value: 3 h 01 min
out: 9 h 26 min
